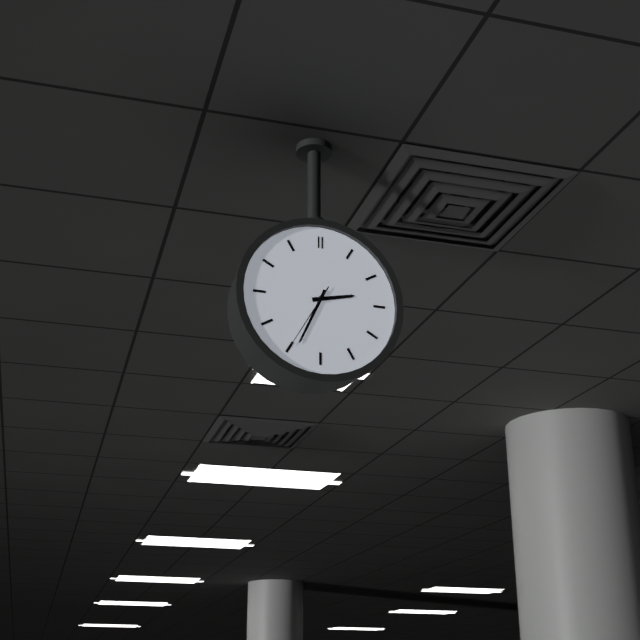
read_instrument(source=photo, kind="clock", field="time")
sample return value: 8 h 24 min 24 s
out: 2 h 34 min 35 s
